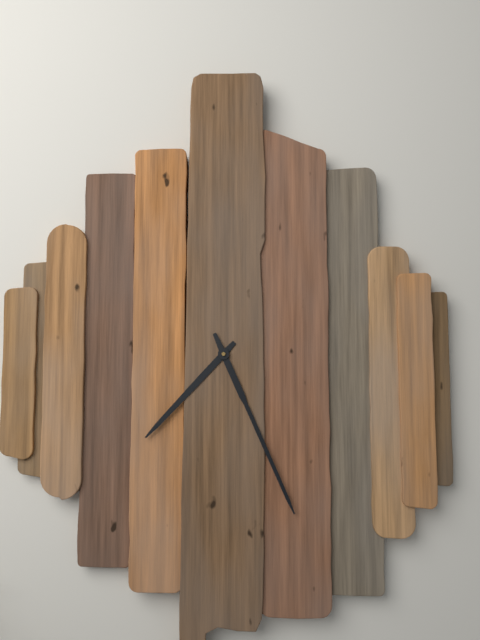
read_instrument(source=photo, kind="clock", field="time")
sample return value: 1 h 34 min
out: 7 h 26 min
